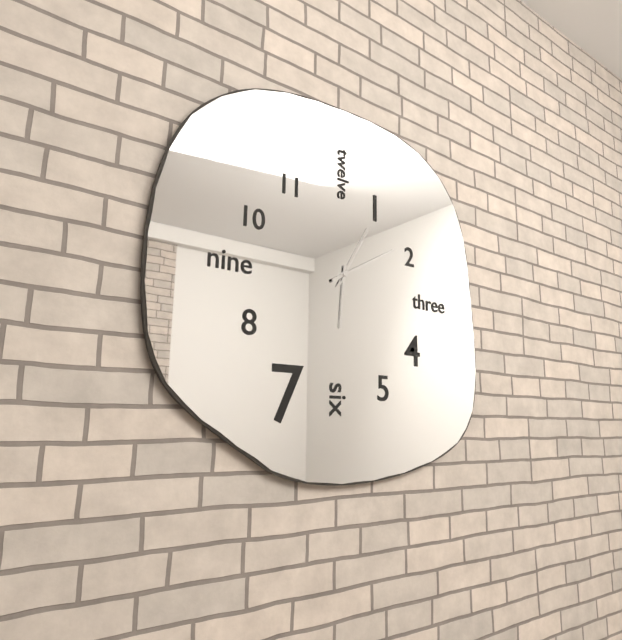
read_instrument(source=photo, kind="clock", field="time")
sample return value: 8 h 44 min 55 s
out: 6 h 10 min 05 s
